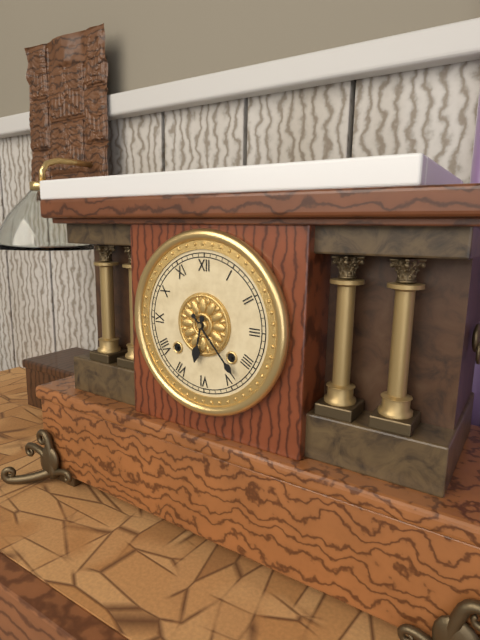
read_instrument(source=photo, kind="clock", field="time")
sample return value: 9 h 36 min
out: 6 h 23 min
